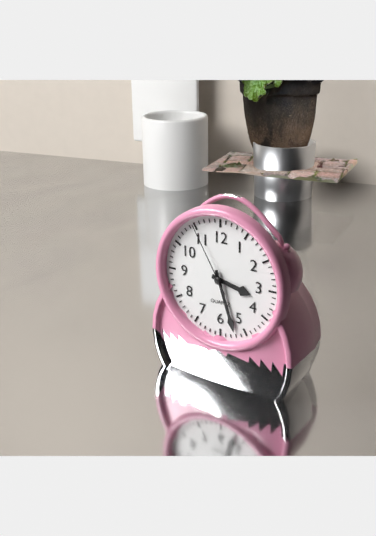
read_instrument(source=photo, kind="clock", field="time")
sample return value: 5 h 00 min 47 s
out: 3 h 27 min 55 s
